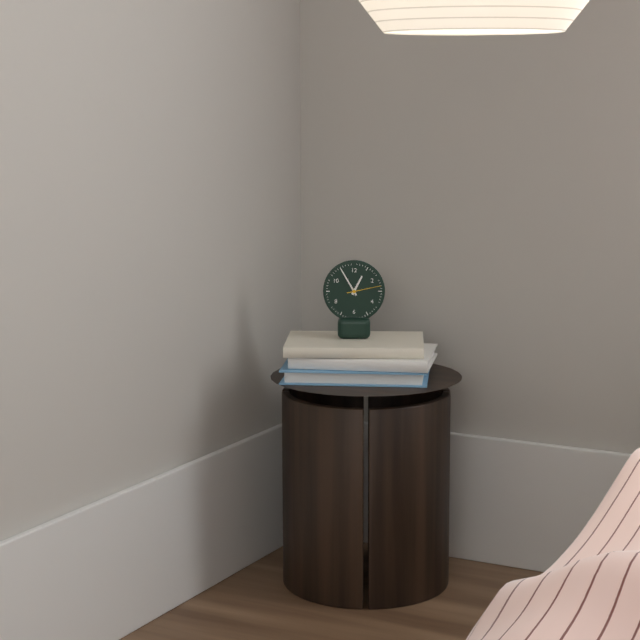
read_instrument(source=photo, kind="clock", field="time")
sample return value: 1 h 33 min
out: 12 h 55 min
